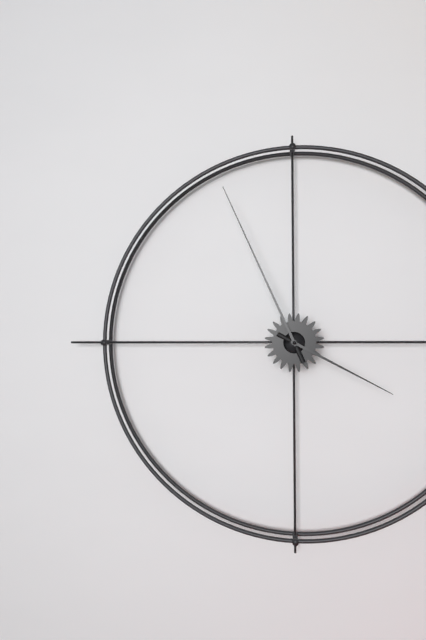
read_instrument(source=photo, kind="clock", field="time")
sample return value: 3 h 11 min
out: 3 h 56 min
